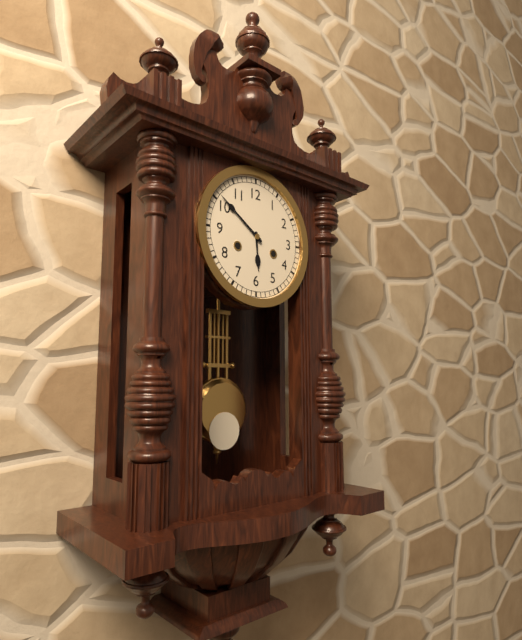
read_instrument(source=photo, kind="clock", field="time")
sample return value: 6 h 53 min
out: 5 h 51 min
